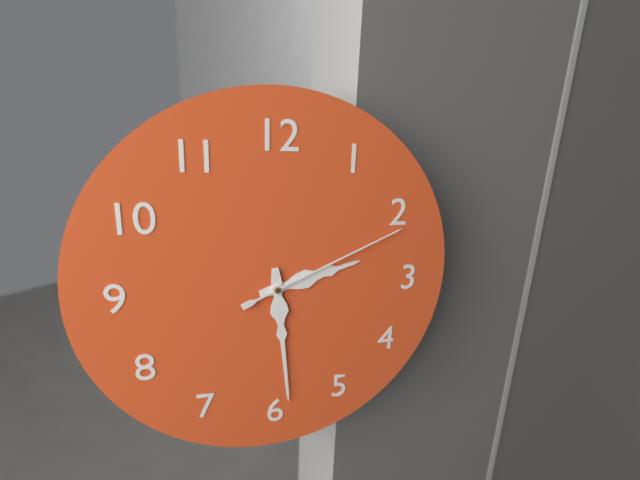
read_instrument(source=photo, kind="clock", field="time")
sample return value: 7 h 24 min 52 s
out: 2 h 29 min 11 s
